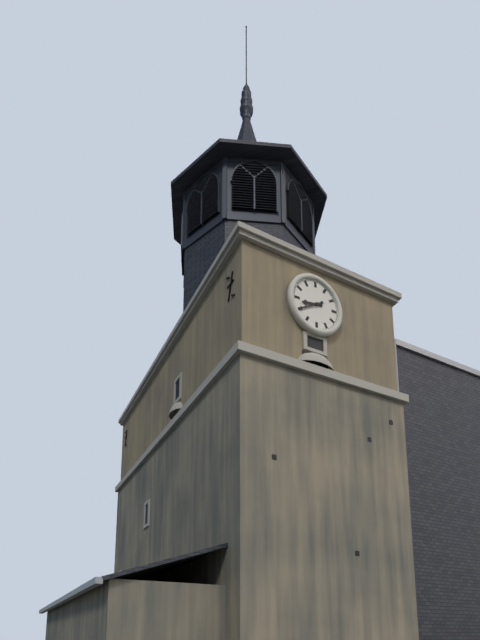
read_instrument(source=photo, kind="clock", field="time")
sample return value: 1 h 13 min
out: 8 h 40 min
